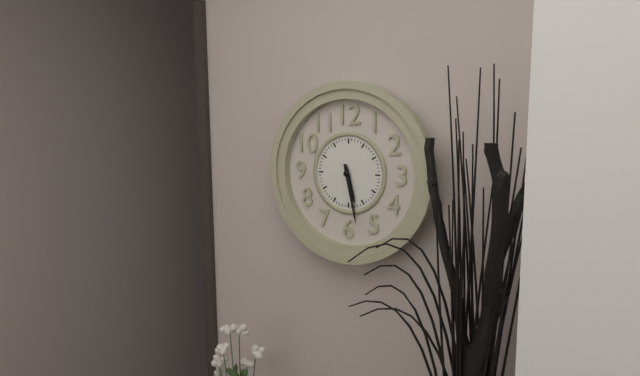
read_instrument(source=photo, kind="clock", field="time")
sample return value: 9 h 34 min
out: 5 h 28 min
